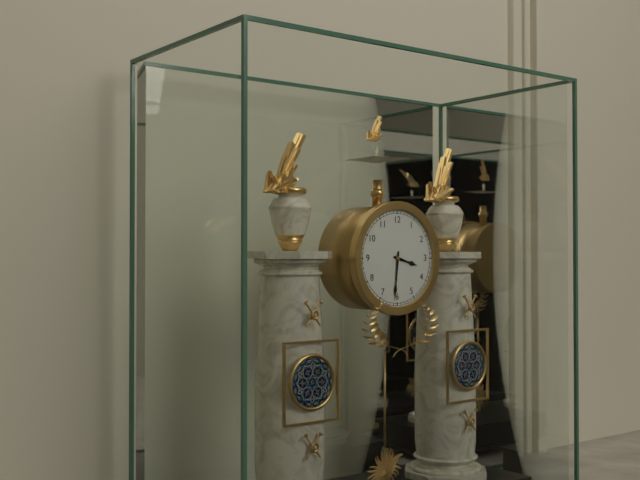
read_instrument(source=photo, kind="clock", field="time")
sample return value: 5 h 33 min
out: 3 h 31 min
